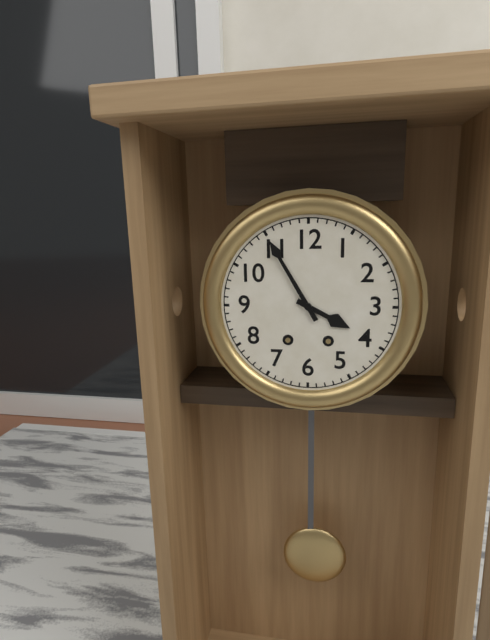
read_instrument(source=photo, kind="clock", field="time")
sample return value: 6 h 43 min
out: 3 h 55 min
